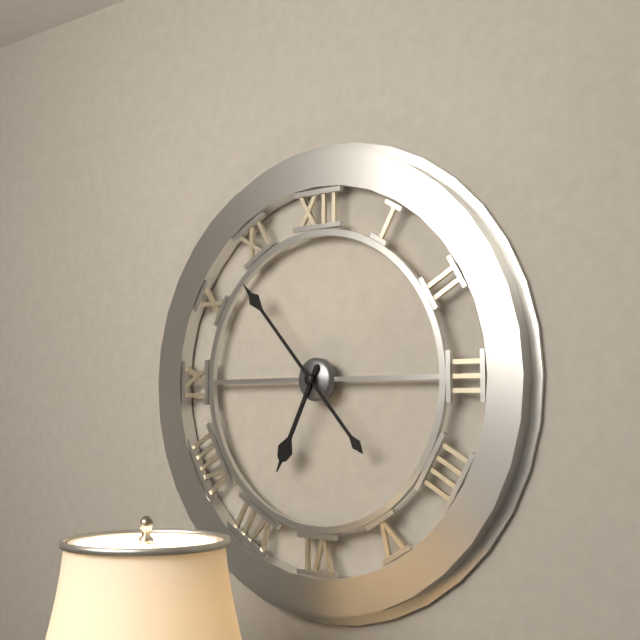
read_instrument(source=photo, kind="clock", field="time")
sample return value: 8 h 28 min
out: 6 h 53 min
